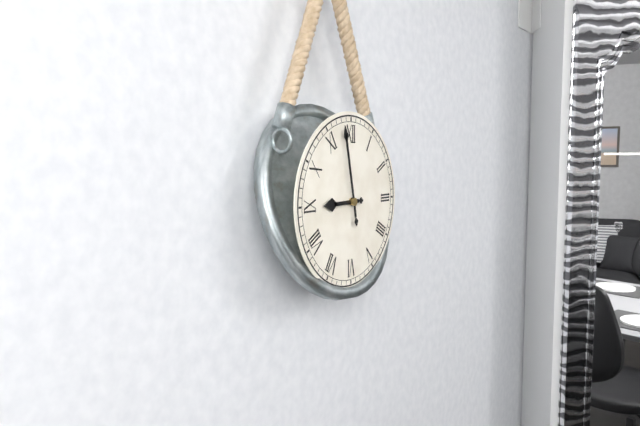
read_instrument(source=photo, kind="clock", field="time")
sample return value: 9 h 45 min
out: 8 h 58 min
